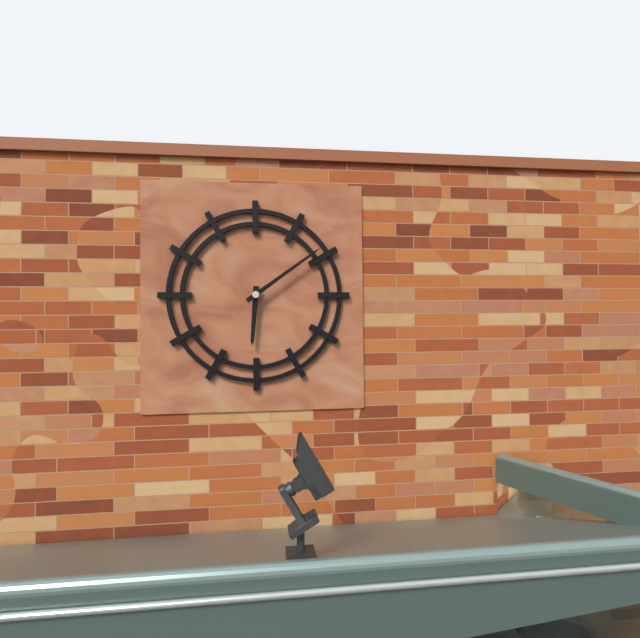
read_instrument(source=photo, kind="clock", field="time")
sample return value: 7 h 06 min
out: 6 h 09 min
